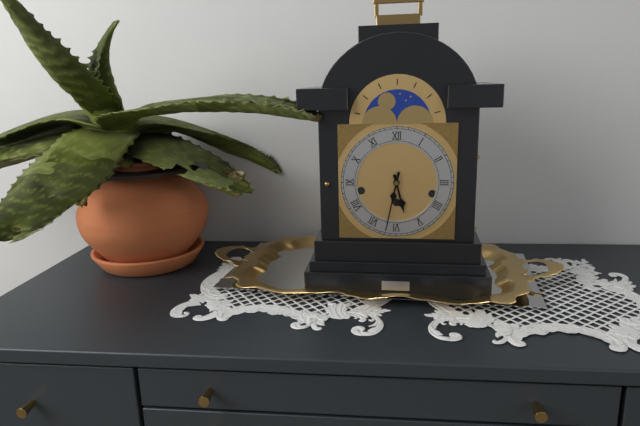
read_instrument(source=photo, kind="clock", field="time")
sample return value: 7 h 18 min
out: 5 h 32 min
